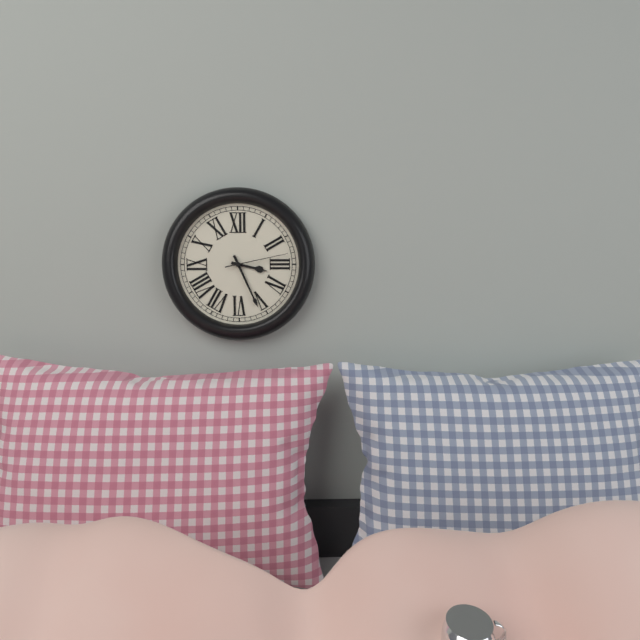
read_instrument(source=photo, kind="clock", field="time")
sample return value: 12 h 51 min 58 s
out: 3 h 26 min 13 s
